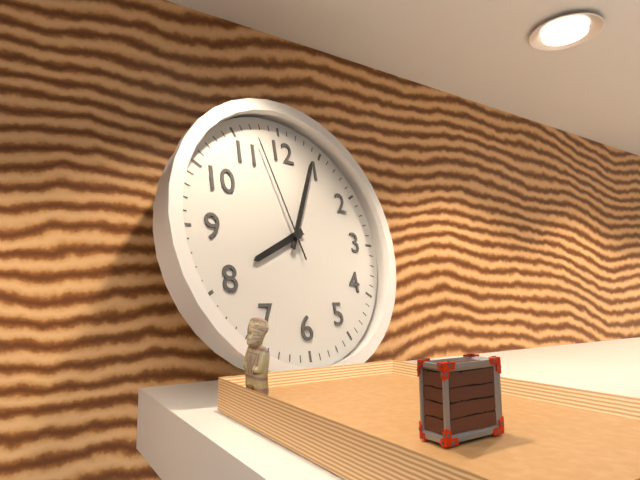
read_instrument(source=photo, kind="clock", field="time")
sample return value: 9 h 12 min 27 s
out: 8 h 04 min 57 s
